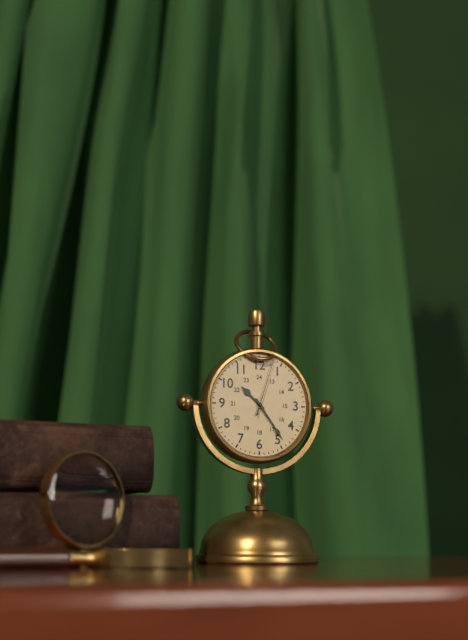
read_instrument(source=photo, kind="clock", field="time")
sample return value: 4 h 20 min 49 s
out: 10 h 24 min 03 s
